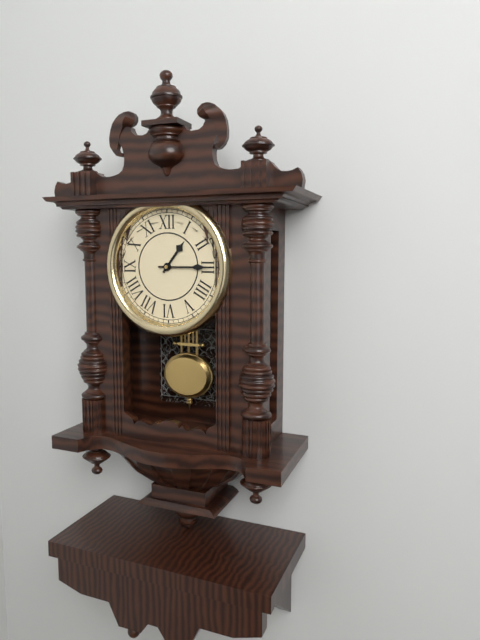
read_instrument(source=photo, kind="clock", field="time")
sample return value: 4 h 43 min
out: 1 h 15 min
